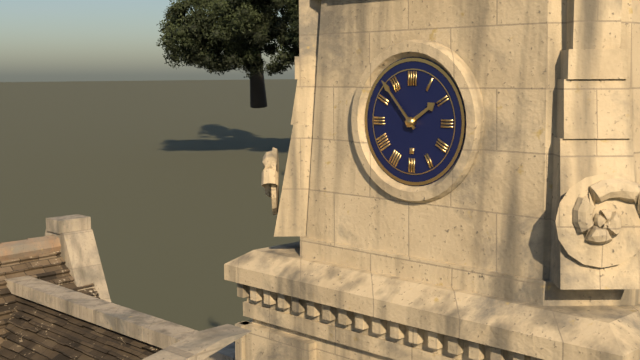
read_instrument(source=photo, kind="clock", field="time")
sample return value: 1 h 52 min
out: 1 h 53 min
